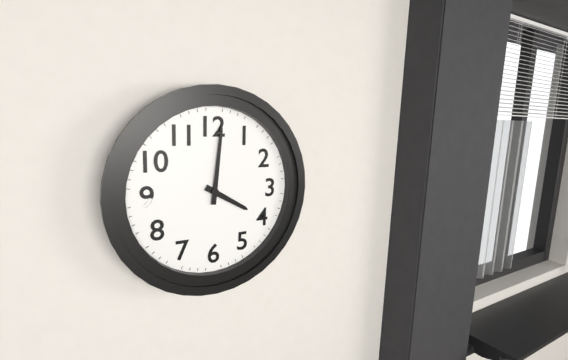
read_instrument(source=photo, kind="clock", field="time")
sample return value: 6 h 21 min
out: 4 h 01 min
